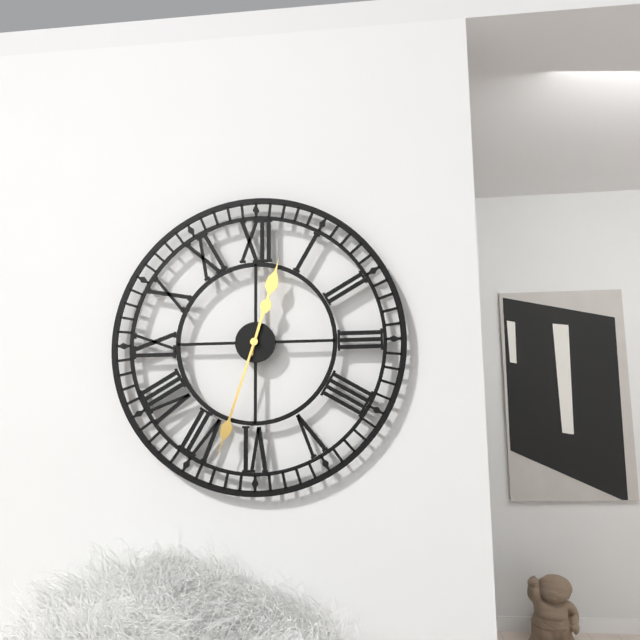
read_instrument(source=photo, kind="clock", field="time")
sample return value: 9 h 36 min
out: 12 h 33 min
